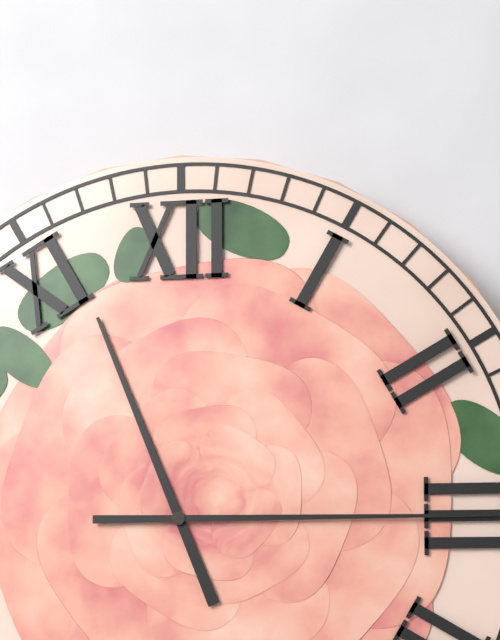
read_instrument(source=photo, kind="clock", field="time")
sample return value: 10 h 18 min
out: 11 h 15 min
